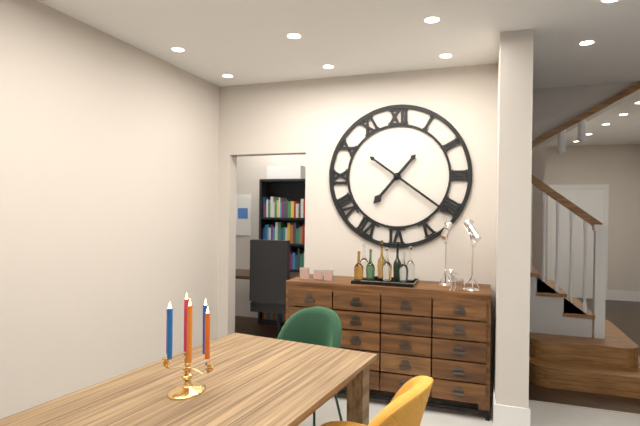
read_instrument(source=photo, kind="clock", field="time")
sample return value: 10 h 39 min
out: 7 h 21 min
